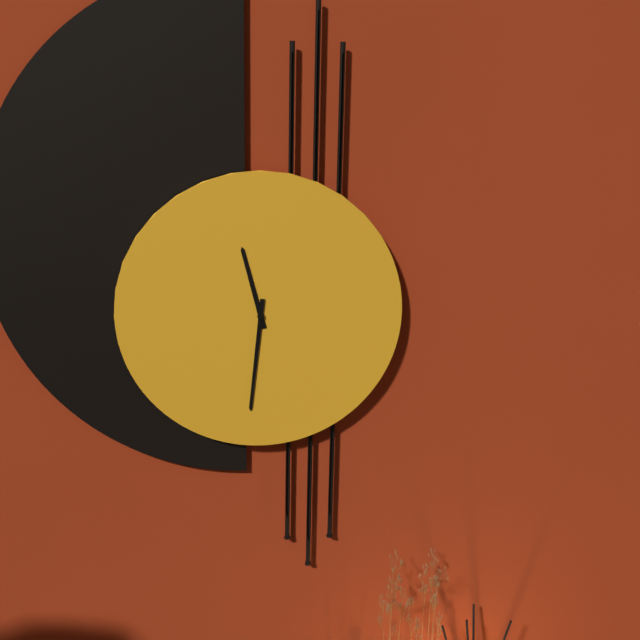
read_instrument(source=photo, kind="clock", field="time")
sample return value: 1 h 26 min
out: 11 h 31 min
